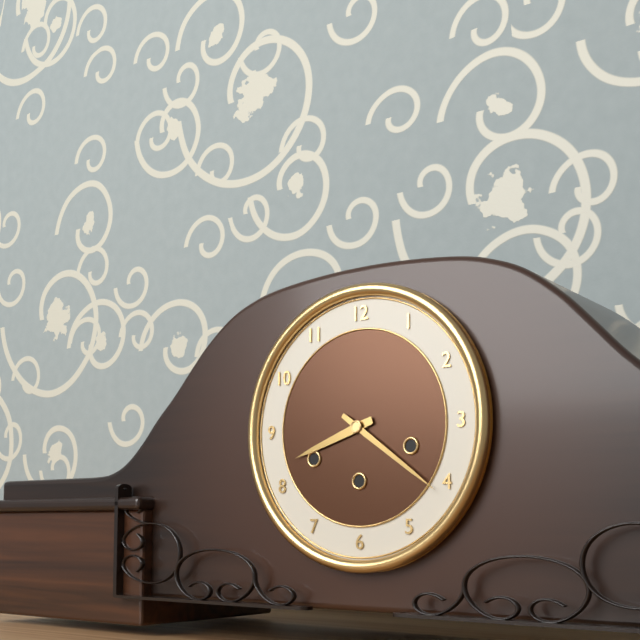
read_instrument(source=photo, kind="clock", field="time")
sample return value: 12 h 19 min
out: 8 h 21 min
